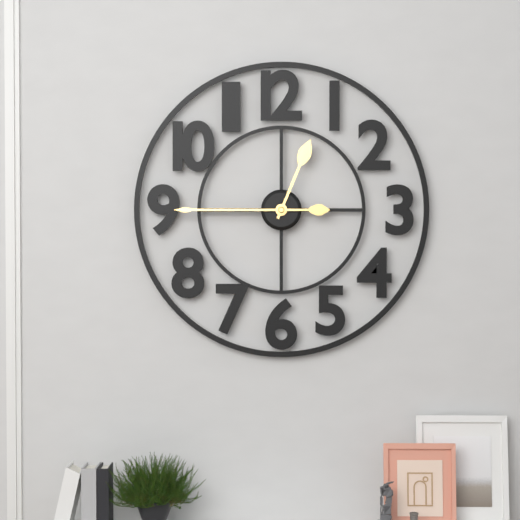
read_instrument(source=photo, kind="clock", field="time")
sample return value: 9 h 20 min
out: 12 h 45 min
